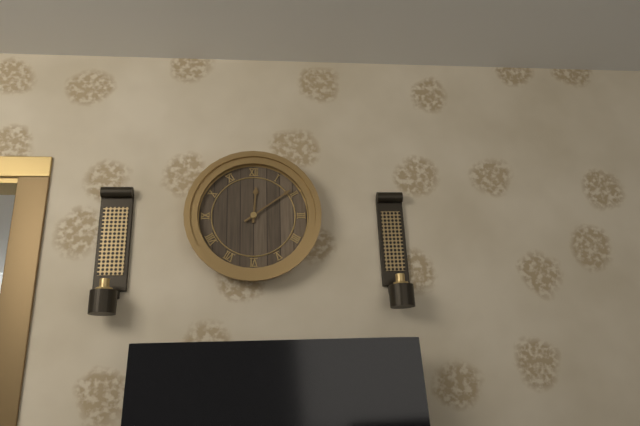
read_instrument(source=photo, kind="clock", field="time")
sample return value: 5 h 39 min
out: 12 h 09 min
